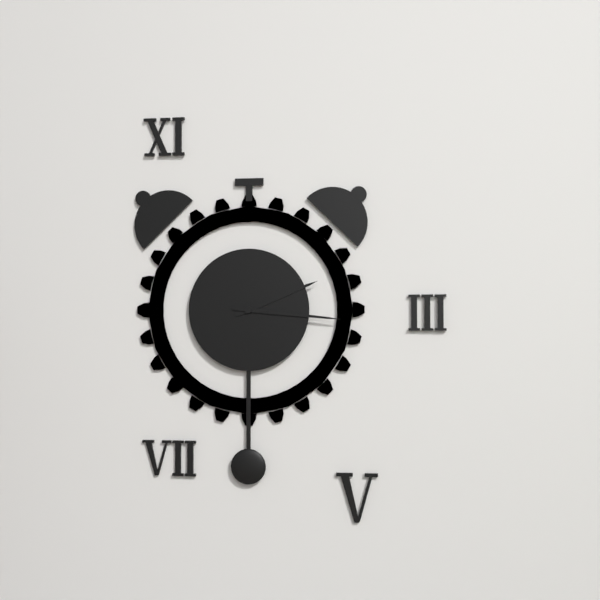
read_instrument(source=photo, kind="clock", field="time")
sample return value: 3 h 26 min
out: 2 h 16 min
